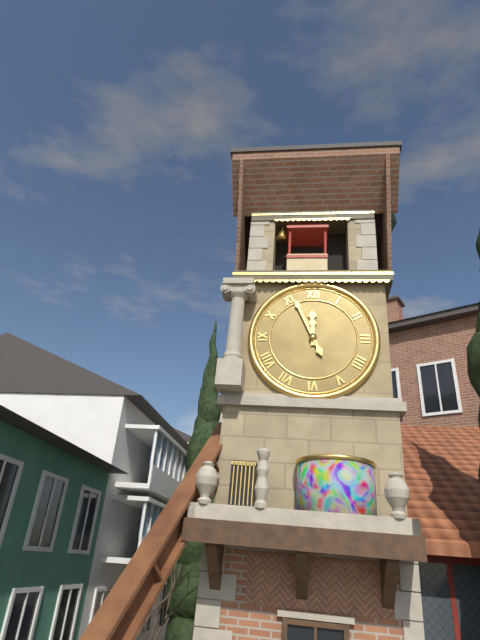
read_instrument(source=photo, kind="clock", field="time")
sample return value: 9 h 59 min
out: 11 h 56 min
